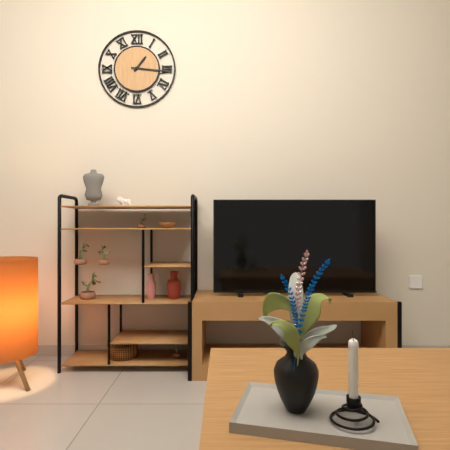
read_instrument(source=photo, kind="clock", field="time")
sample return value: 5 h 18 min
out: 1 h 16 min
